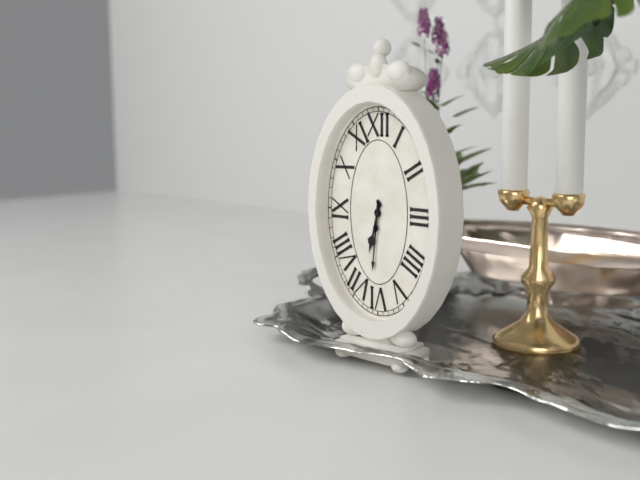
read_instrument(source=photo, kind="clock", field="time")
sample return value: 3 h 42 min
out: 6 h 31 min
